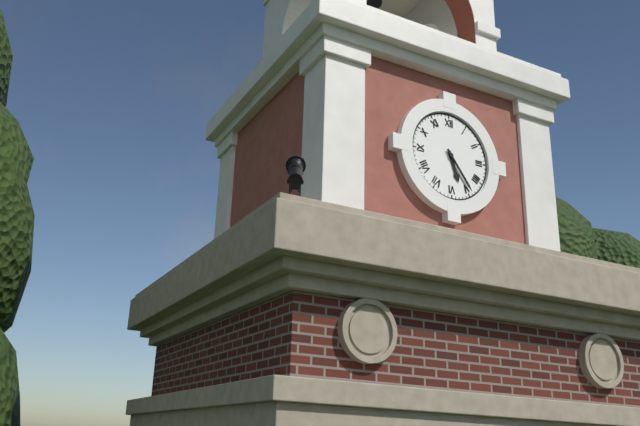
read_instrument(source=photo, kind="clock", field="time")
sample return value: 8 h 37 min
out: 5 h 24 min
